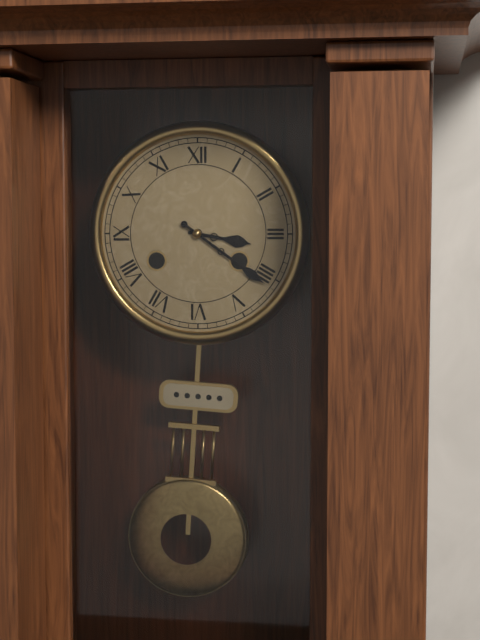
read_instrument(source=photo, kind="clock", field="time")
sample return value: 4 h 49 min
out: 3 h 21 min
